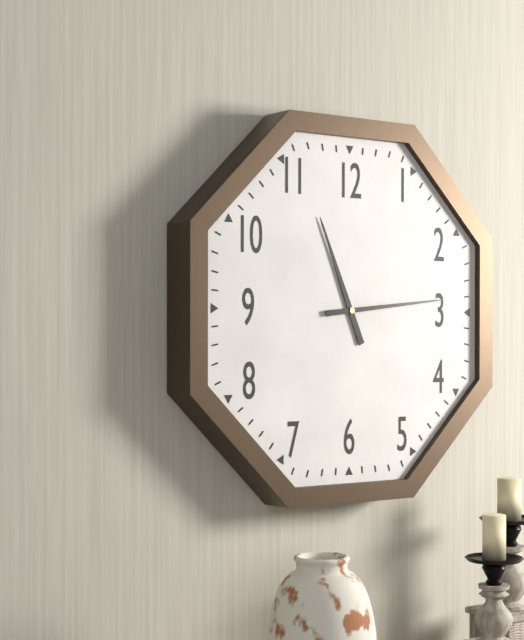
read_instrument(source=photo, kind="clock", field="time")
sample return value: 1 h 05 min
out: 11 h 14 min
